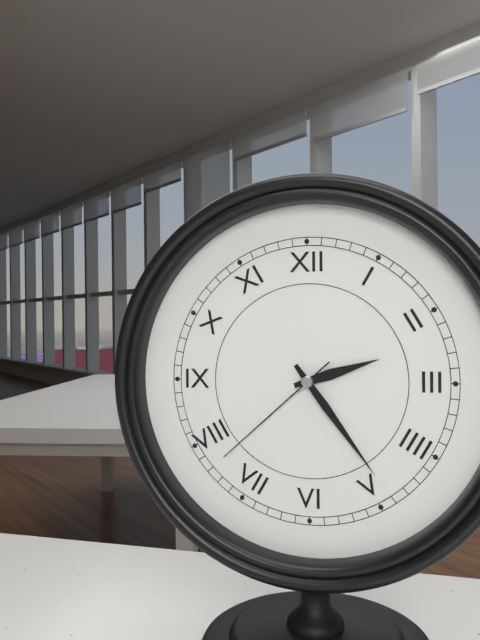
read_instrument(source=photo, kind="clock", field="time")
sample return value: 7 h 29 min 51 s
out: 2 h 24 min 38 s
